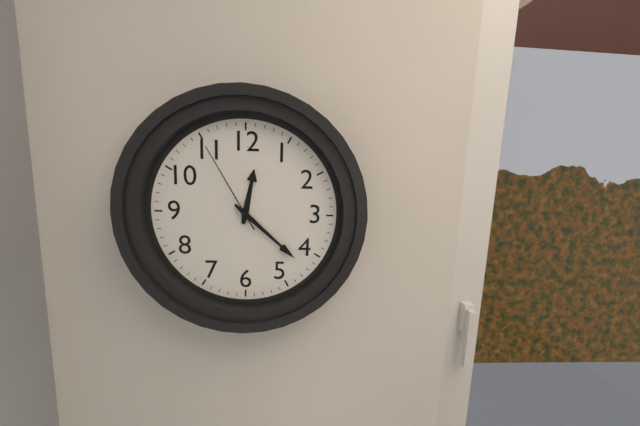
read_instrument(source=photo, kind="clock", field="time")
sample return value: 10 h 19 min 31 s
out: 12 h 22 min 55 s
